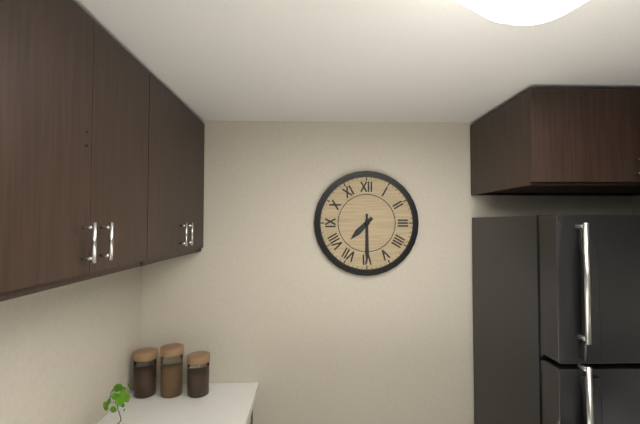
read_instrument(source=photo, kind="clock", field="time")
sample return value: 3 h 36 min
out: 7 h 30 min
